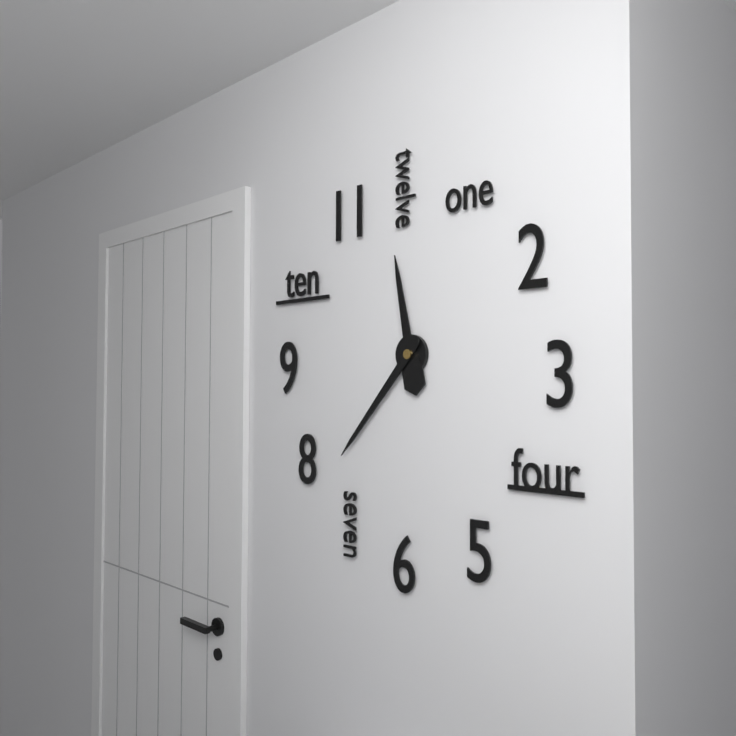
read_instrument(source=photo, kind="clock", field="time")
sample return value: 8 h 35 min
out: 11 h 37 min
